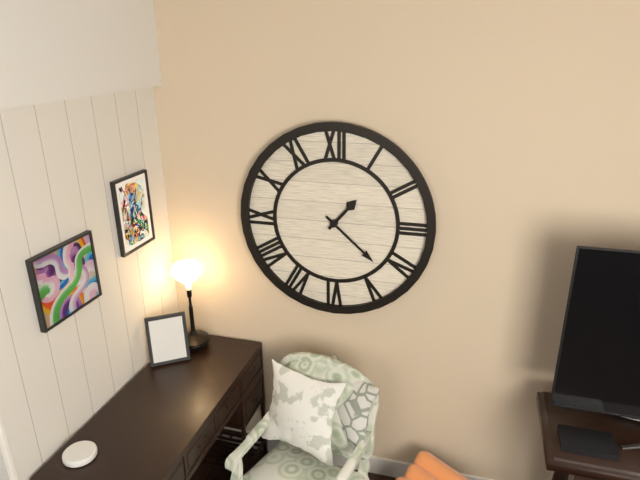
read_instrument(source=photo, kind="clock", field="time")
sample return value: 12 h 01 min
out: 1 h 22 min
